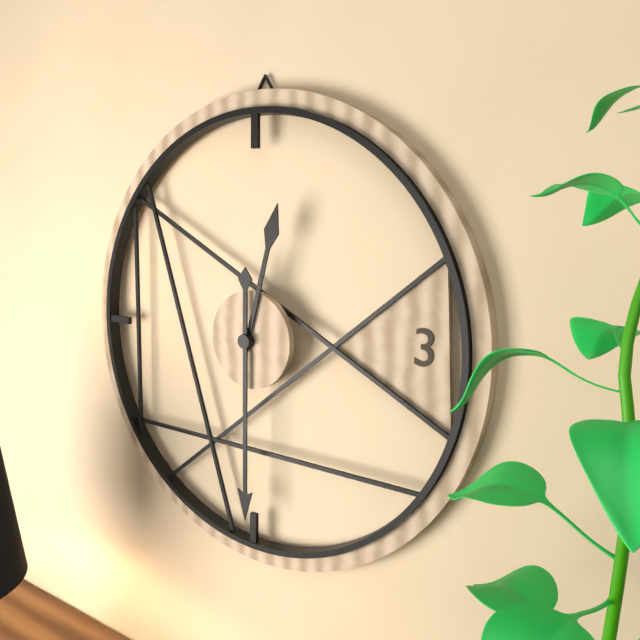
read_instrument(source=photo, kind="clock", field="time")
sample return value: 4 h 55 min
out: 12 h 30 min
